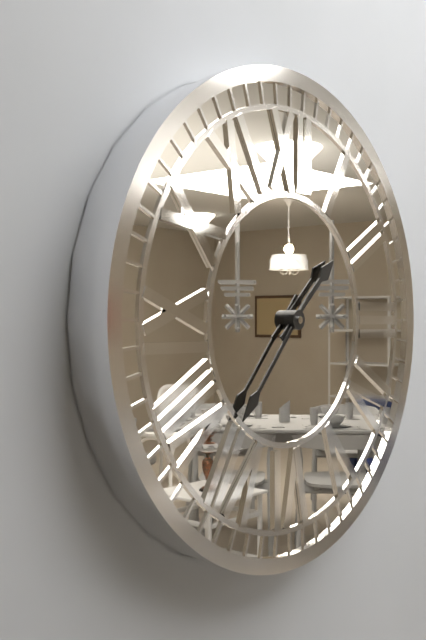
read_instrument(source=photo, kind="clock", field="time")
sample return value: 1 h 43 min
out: 1 h 37 min
